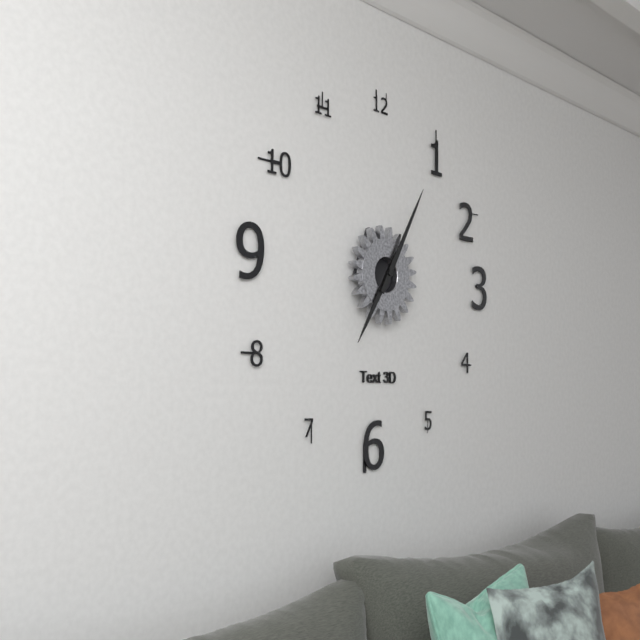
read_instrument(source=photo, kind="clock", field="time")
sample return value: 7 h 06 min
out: 7 h 05 min
